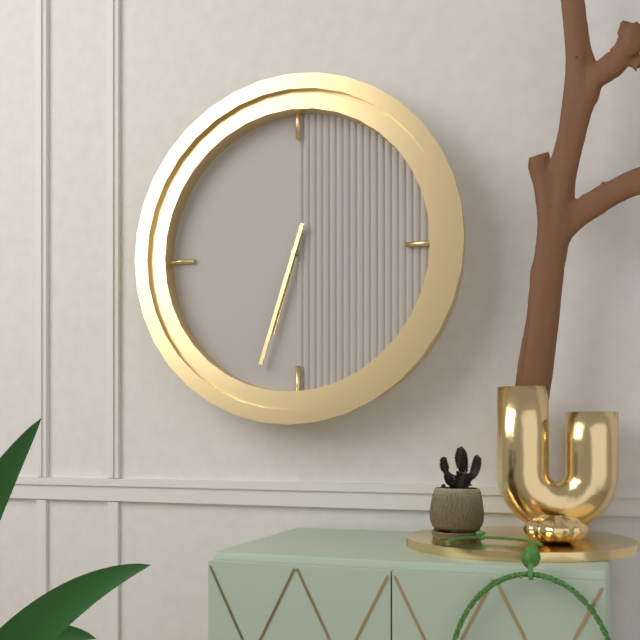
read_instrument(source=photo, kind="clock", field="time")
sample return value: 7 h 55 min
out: 6 h 33 min
